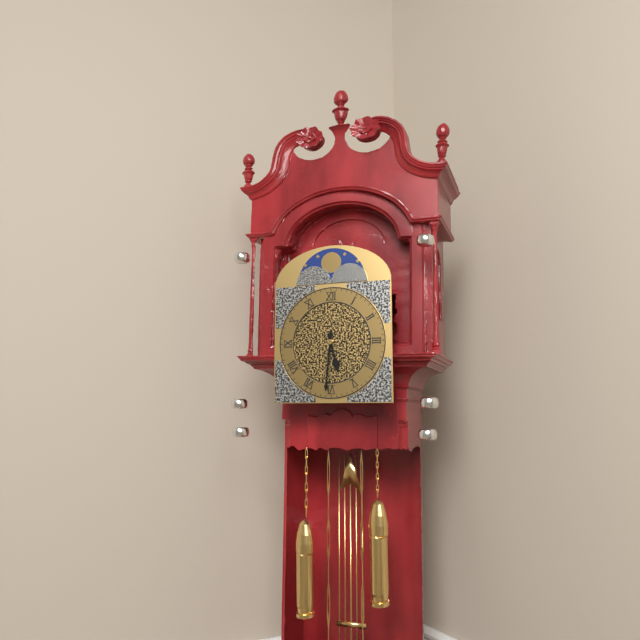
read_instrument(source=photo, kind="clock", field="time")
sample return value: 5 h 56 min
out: 5 h 31 min
